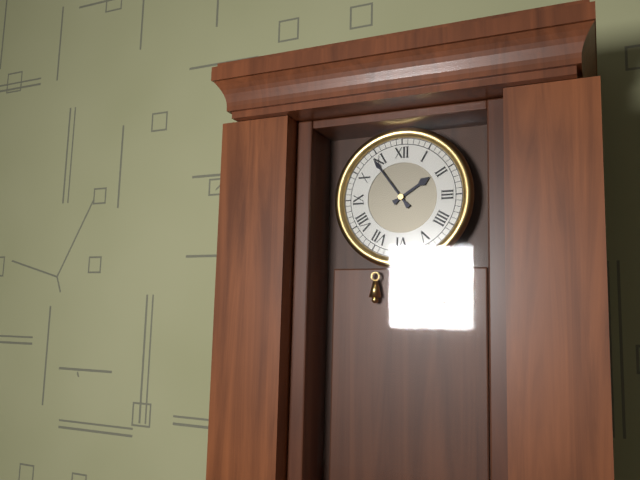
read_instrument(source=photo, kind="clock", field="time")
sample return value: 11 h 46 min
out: 1 h 54 min
